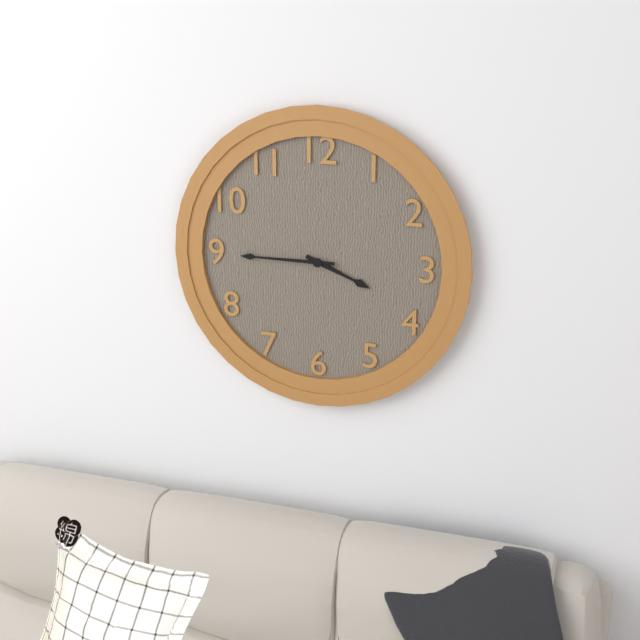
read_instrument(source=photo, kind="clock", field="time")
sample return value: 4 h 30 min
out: 3 h 45 min
